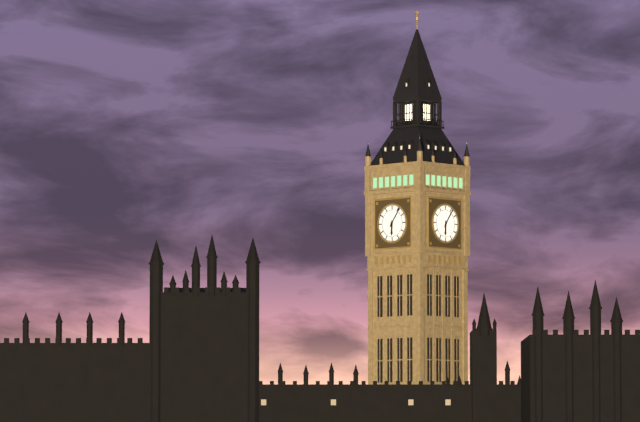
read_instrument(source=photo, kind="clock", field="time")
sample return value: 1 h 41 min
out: 6 h 06 min
